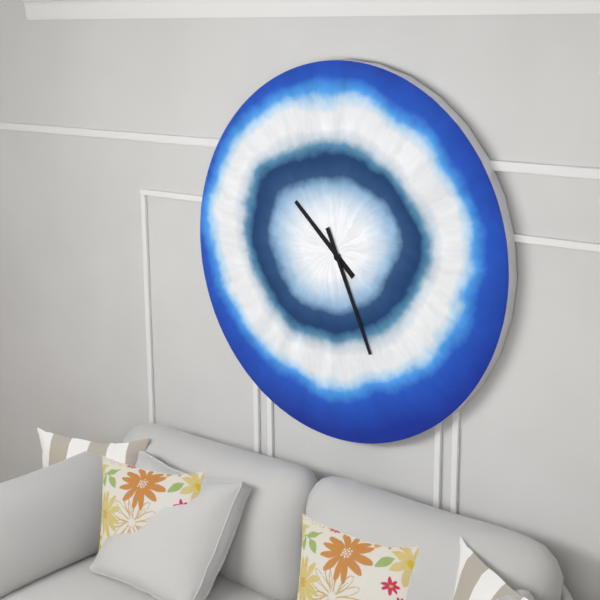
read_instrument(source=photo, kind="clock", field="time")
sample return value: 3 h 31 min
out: 10 h 26 min
